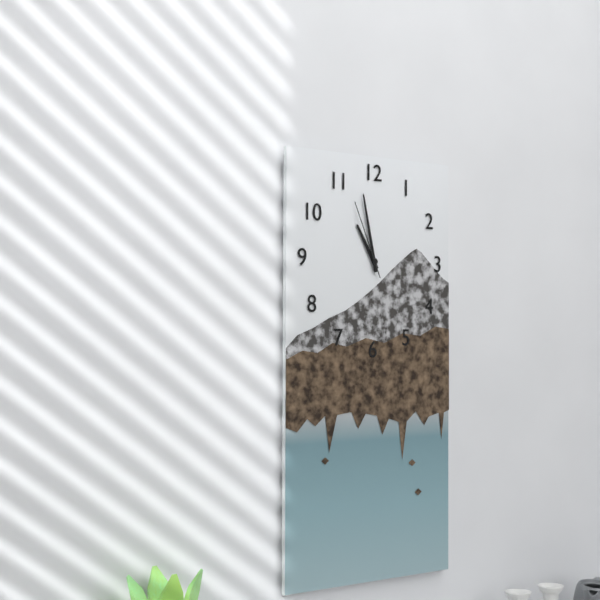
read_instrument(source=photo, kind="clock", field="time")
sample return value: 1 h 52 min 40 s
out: 10 h 58 min 56 s
